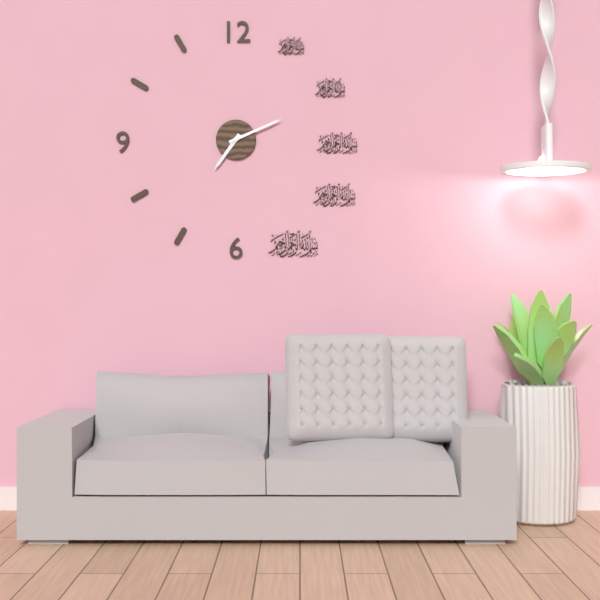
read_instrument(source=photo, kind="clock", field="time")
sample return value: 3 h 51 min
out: 7 h 11 min
